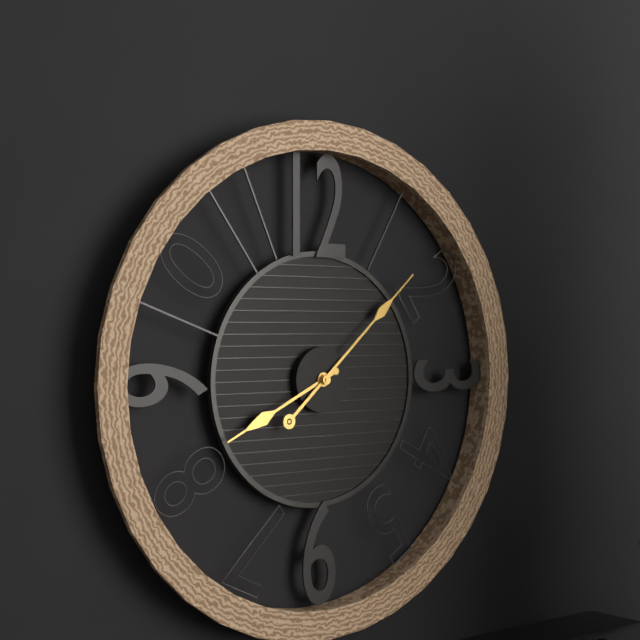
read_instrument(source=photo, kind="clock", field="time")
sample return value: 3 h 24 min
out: 8 h 08 min
